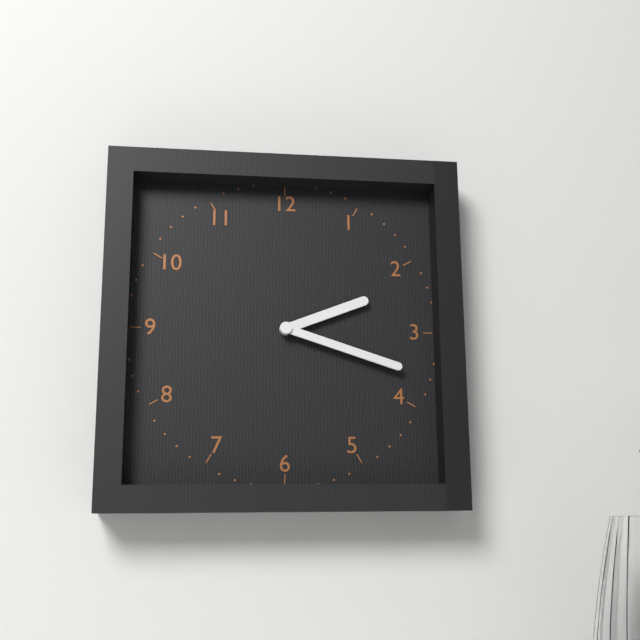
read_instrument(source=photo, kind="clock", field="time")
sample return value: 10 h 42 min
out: 2 h 18 min
